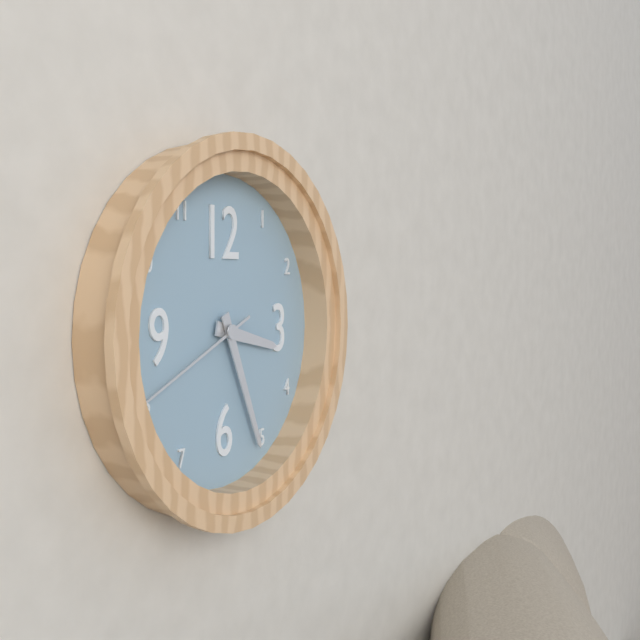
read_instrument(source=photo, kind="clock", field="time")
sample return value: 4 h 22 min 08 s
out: 3 h 26 min 41 s
